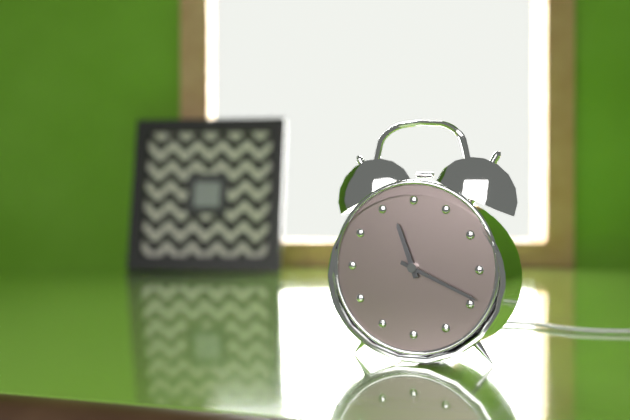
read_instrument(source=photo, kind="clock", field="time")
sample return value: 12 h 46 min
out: 11 h 19 min
